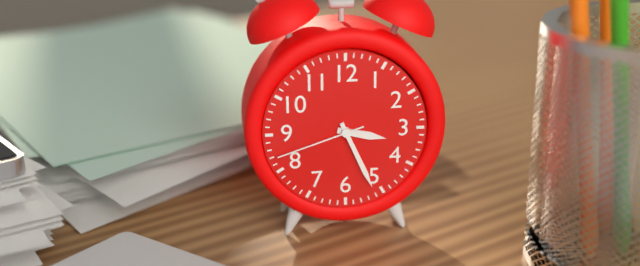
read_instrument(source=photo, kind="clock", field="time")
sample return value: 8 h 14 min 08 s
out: 3 h 26 min 42 s
